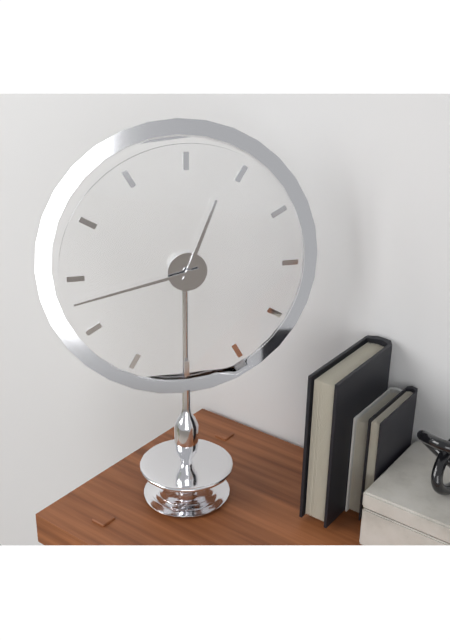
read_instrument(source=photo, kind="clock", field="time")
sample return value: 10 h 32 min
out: 12 h 43 min
